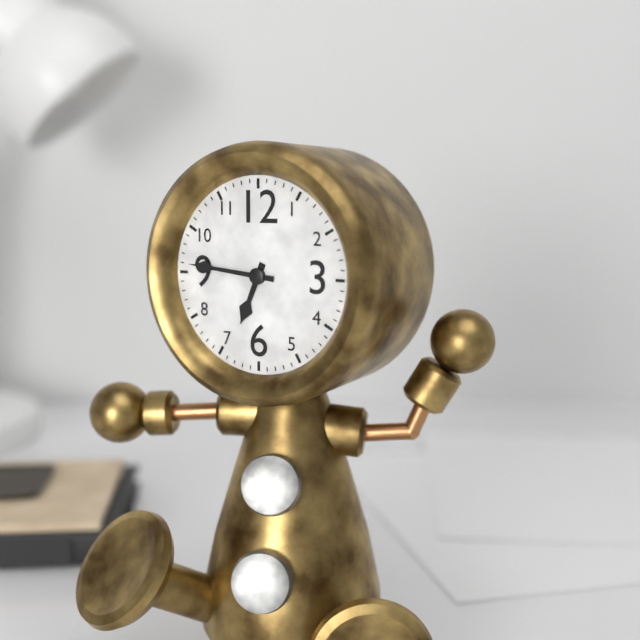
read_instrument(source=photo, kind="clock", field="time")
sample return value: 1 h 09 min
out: 6 h 46 min
